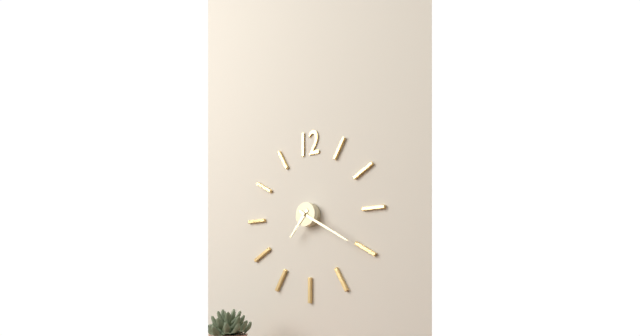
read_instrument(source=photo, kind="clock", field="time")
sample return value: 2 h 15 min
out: 7 h 20 min
